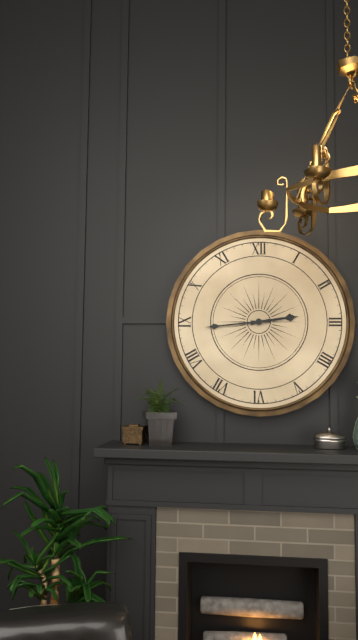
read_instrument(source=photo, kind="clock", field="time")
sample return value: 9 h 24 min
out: 2 h 44 min
